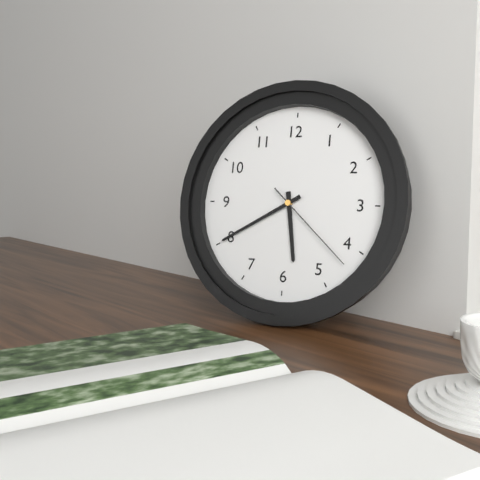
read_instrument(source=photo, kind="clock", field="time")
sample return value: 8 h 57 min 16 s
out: 5 h 40 min 22 s
